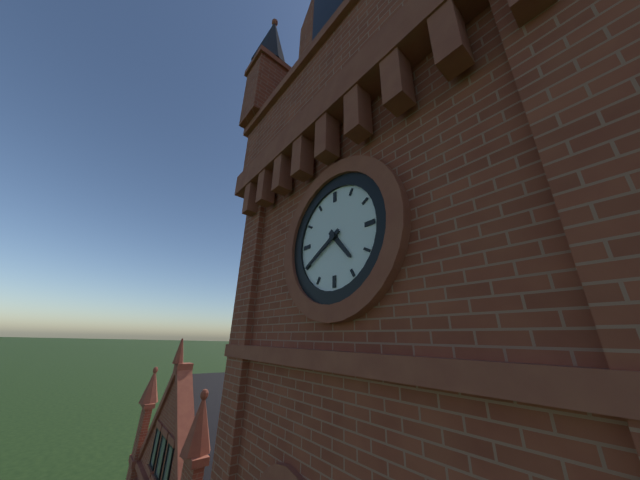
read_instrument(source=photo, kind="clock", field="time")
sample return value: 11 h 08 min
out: 4 h 40 min
